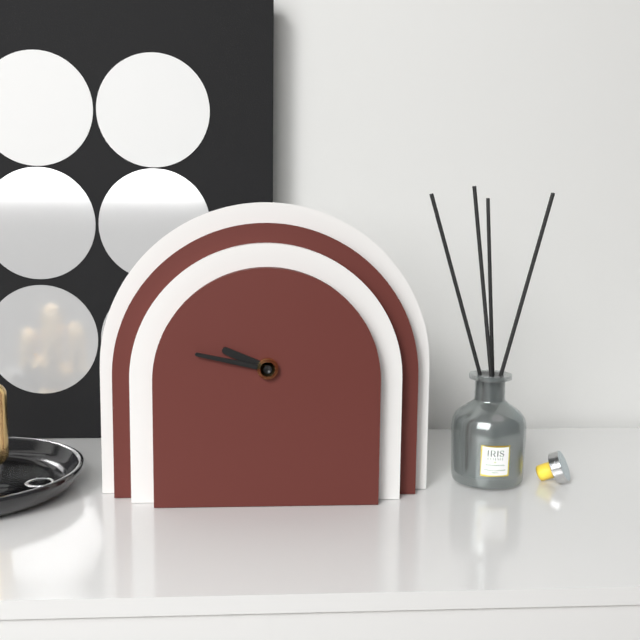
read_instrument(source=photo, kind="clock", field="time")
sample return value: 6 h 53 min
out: 9 h 47 min
